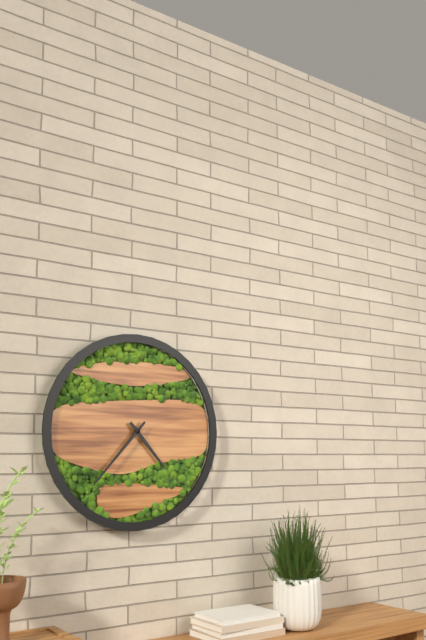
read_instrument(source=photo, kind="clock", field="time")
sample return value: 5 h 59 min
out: 4 h 37 min
